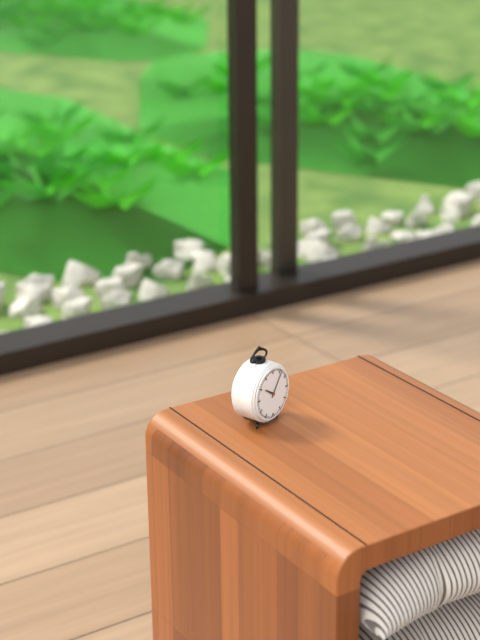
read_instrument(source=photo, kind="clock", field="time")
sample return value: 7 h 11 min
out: 10 h 06 min
